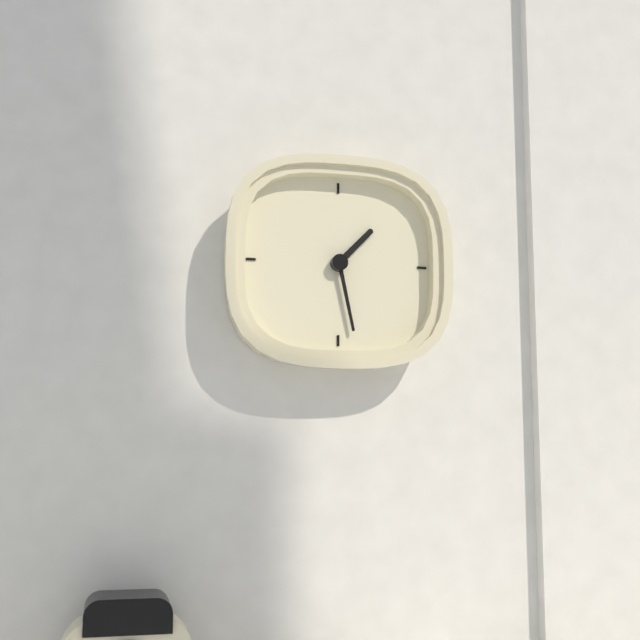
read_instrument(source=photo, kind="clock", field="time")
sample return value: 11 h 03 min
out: 1 h 28 min
